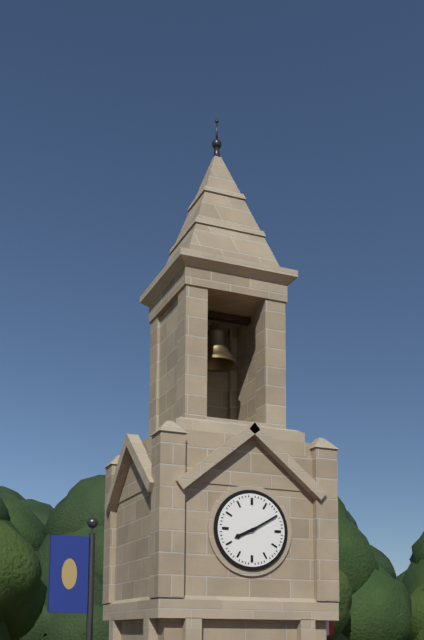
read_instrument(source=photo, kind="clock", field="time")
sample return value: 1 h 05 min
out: 8 h 10 min
